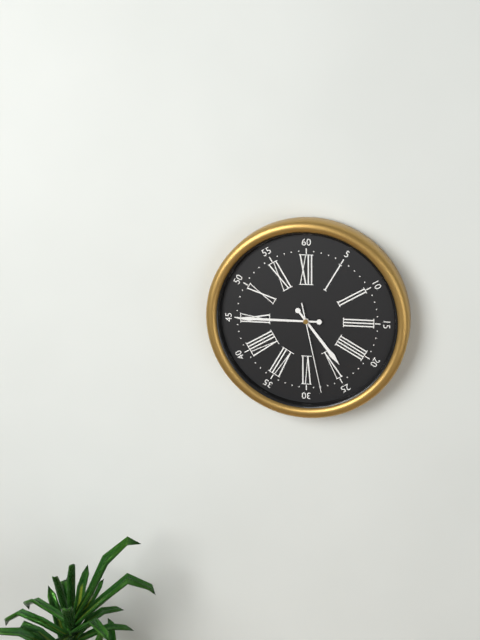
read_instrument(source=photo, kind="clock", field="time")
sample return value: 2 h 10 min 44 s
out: 4 h 45 min 28 s
